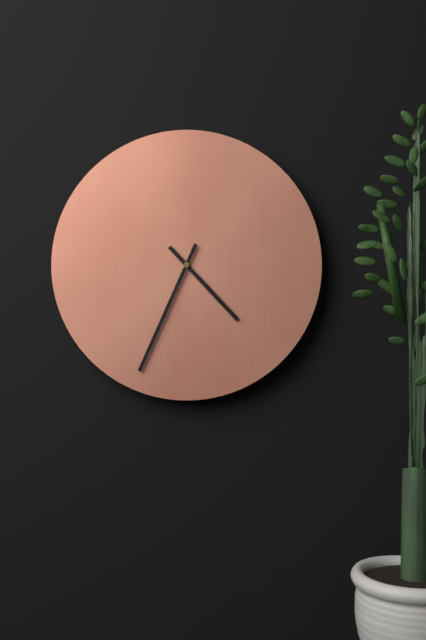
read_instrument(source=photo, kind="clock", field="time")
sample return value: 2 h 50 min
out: 4 h 34 min
